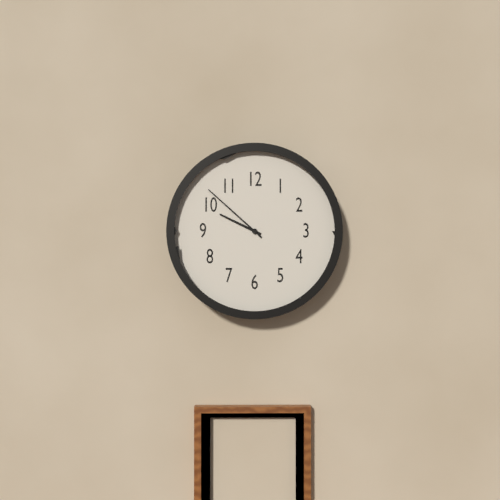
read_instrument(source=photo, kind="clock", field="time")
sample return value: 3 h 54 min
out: 9 h 52 min
